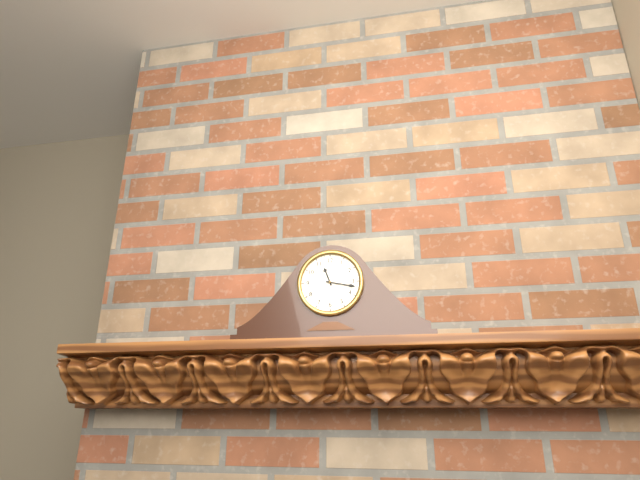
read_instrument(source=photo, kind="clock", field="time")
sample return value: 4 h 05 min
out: 11 h 17 min
